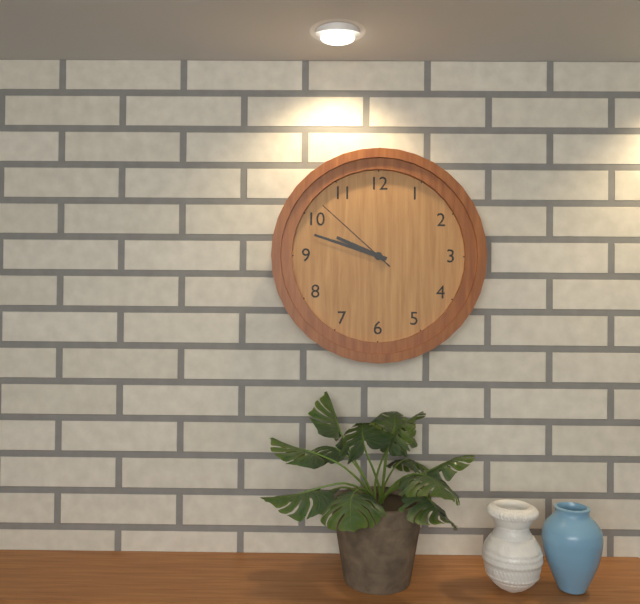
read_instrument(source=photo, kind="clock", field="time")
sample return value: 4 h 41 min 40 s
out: 9 h 48 min 52 s
